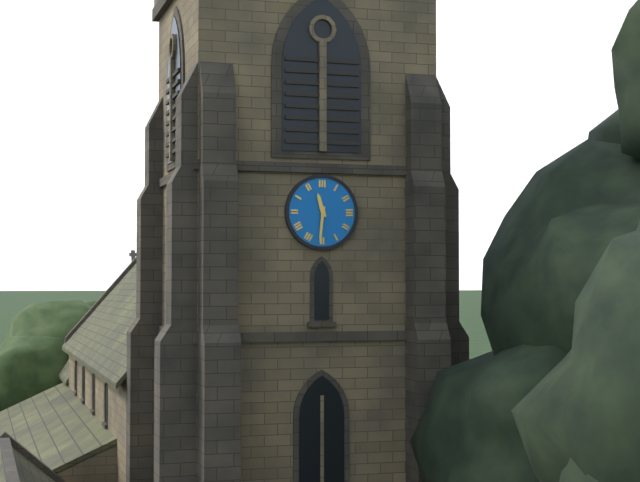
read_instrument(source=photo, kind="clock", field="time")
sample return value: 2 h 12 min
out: 11 h 31 min
